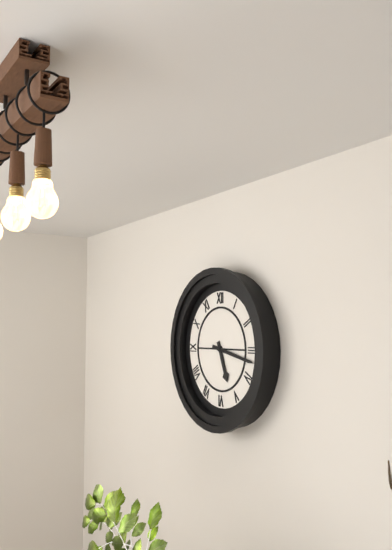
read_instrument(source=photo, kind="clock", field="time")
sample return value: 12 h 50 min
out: 5 h 17 min
